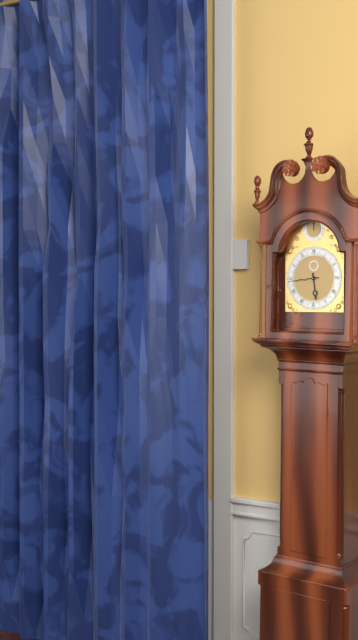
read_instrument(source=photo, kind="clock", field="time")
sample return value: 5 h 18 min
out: 5 h 44 min
